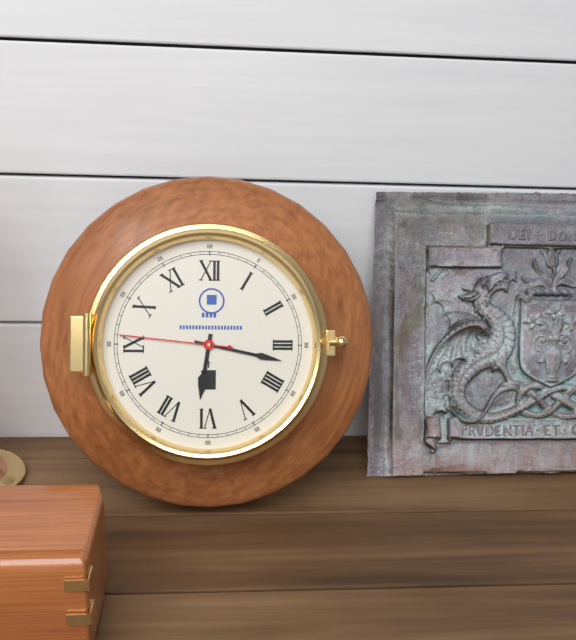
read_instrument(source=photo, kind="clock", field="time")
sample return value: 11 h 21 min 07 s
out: 6 h 17 min 46 s
